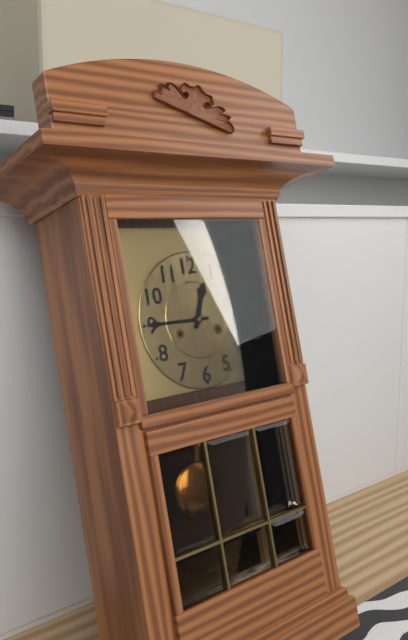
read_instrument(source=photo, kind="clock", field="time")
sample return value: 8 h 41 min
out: 12 h 45 min
